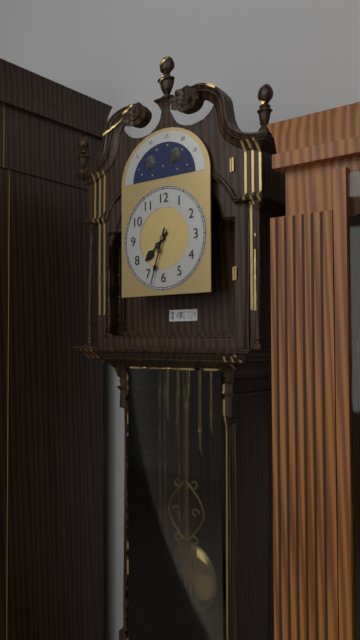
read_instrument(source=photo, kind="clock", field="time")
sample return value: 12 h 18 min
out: 7 h 33 min
